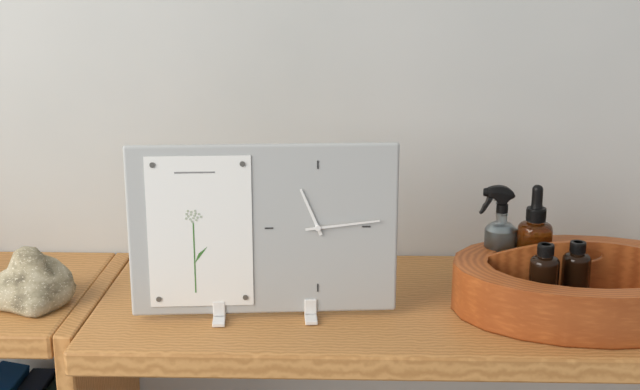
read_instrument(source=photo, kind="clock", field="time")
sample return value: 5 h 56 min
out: 11 h 14 min
